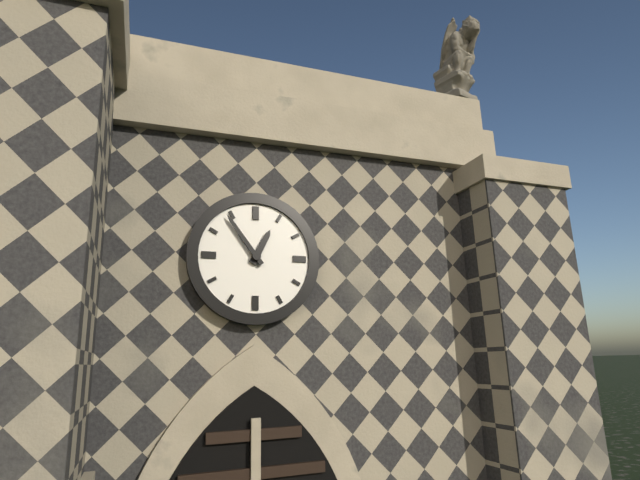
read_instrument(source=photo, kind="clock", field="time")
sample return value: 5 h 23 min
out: 12 h 54 min
